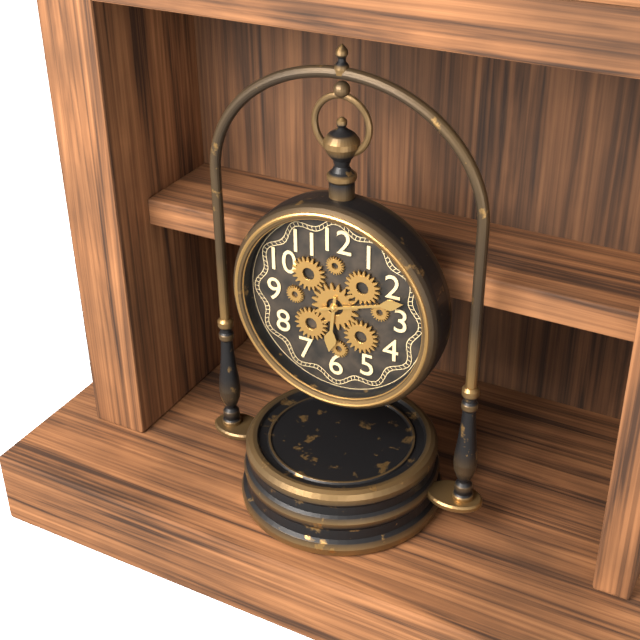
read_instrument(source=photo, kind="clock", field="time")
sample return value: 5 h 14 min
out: 6 h 12 min
